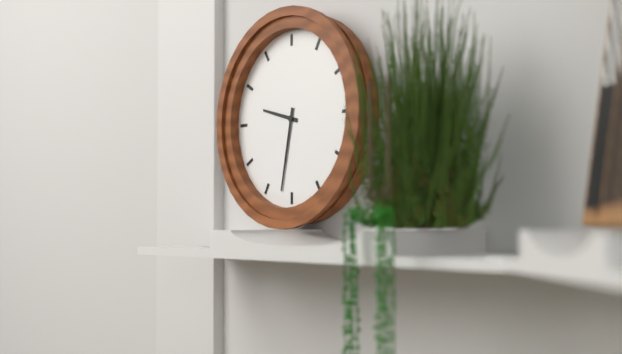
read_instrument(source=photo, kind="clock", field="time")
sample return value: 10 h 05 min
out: 9 h 32 min
